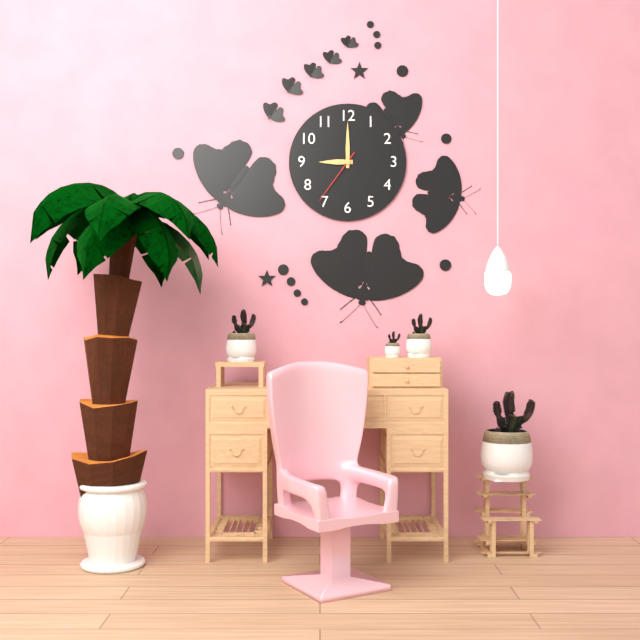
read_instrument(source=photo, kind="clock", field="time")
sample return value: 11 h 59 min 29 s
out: 9 h 00 min 36 s
